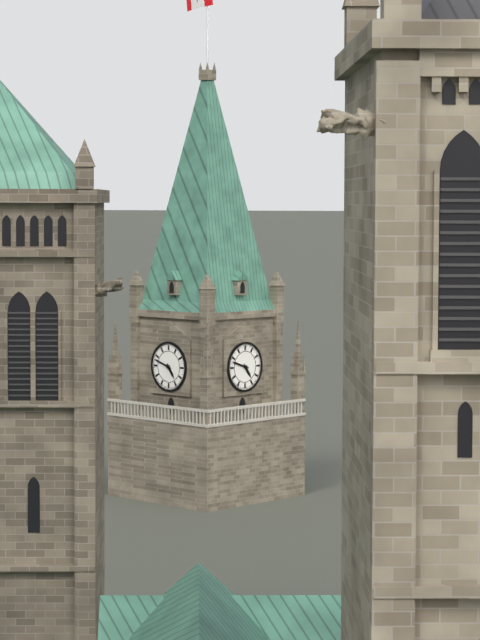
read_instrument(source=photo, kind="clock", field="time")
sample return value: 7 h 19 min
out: 4 h 48 min
